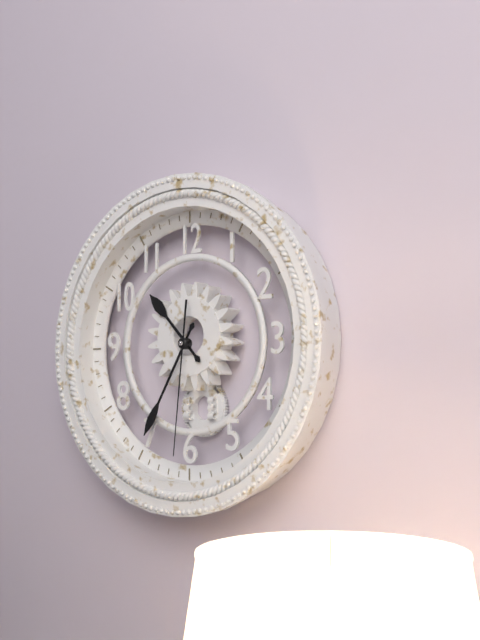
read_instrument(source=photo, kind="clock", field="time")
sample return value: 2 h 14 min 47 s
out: 10 h 35 min 31 s
